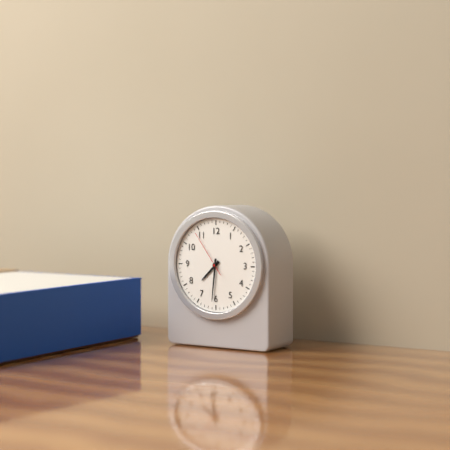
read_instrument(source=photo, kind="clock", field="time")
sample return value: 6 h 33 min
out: 7 h 31 min
